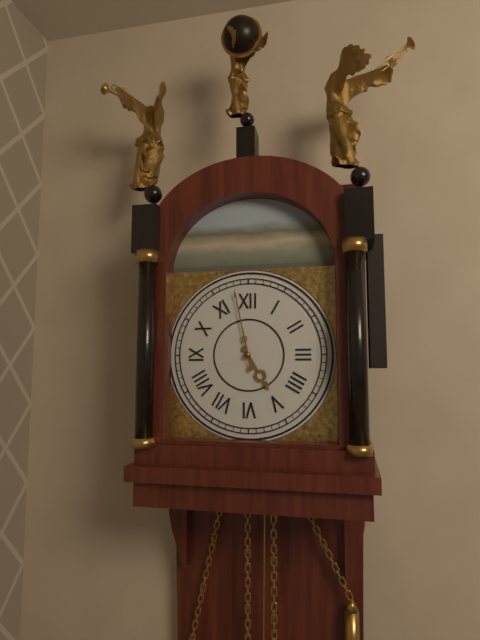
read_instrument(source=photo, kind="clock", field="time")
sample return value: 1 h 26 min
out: 4 h 58 min
